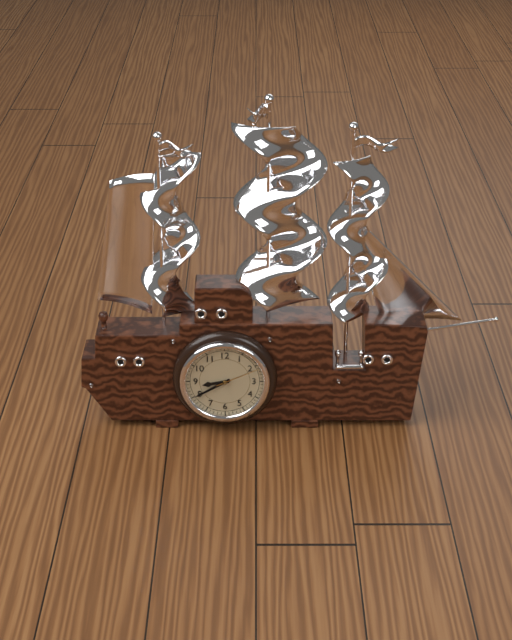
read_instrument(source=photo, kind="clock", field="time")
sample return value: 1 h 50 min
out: 8 h 40 min
